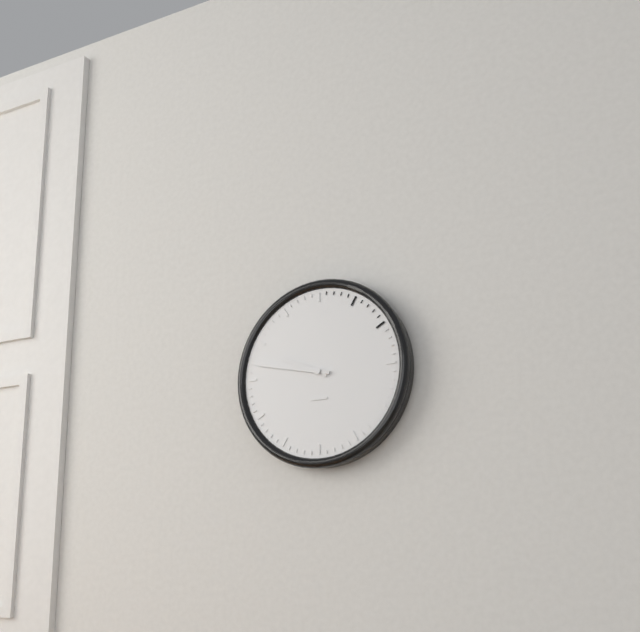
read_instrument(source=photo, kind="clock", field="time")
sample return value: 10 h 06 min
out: 9 h 47 min
